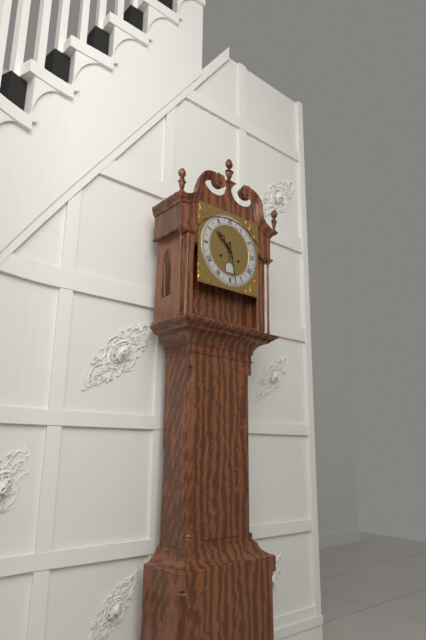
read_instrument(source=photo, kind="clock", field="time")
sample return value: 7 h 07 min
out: 10 h 28 min
